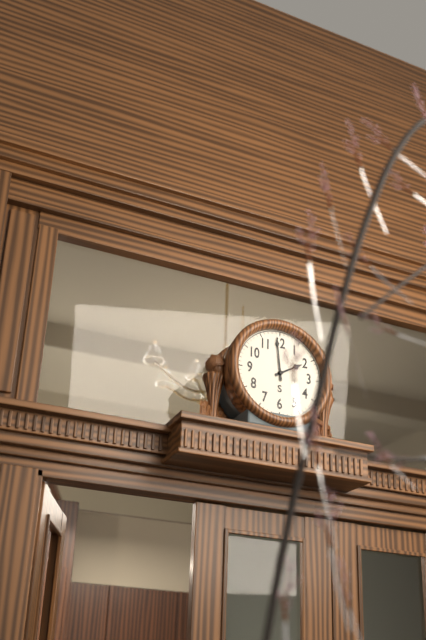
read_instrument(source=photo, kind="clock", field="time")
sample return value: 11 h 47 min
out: 1 h 59 min
